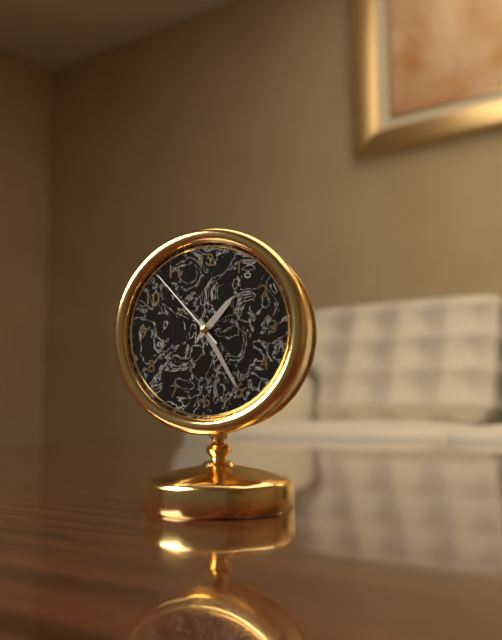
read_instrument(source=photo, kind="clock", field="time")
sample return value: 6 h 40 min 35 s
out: 1 h 25 min 53 s
